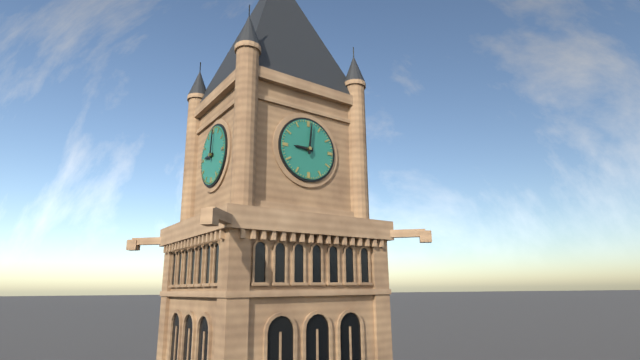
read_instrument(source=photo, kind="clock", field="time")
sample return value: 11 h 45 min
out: 9 h 01 min
